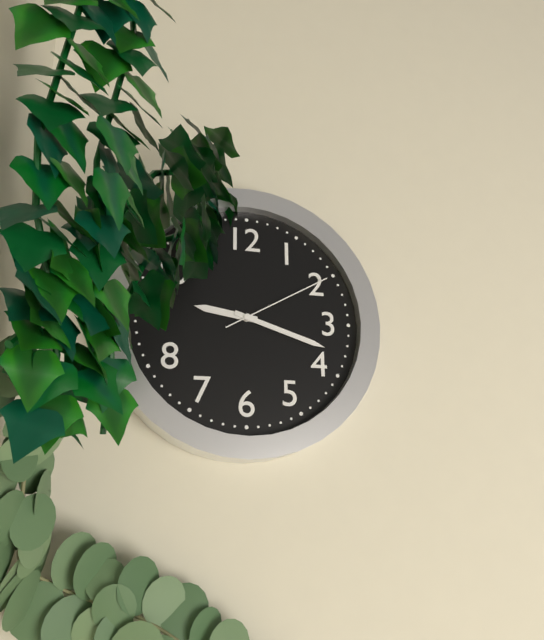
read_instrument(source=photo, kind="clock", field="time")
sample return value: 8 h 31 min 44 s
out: 9 h 18 min 10 s
